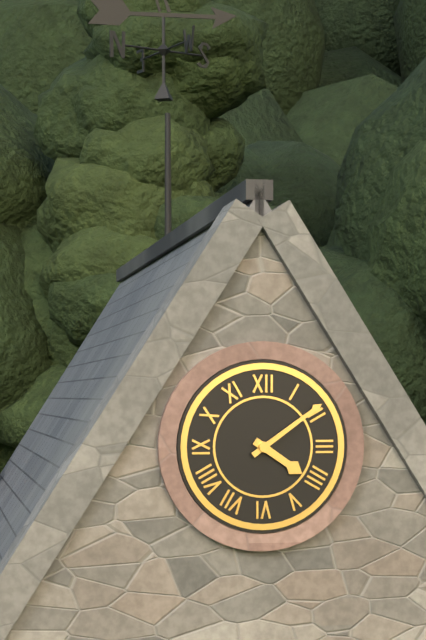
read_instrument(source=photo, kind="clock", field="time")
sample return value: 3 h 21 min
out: 4 h 09 min
